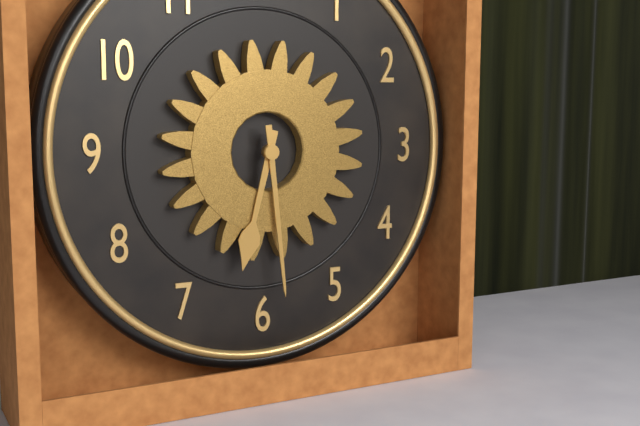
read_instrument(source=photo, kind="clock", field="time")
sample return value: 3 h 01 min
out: 6 h 29 min
